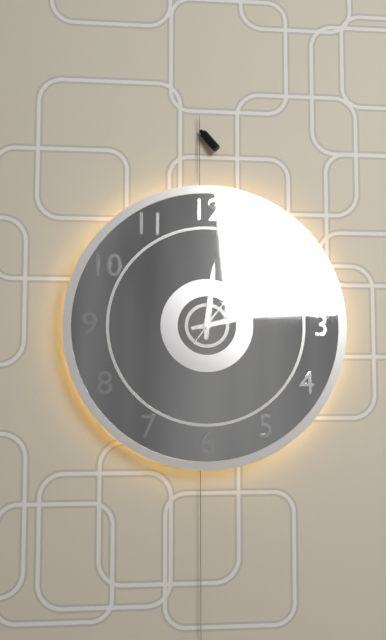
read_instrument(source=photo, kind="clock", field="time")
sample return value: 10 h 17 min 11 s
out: 12 h 13 min 06 s
